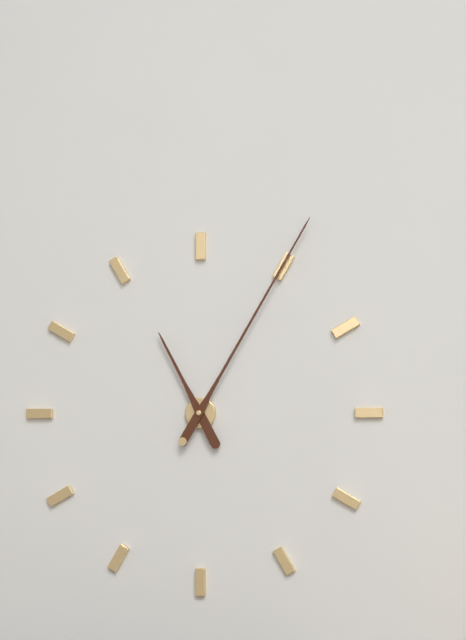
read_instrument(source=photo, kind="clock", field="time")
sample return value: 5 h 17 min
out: 11 h 05 min
